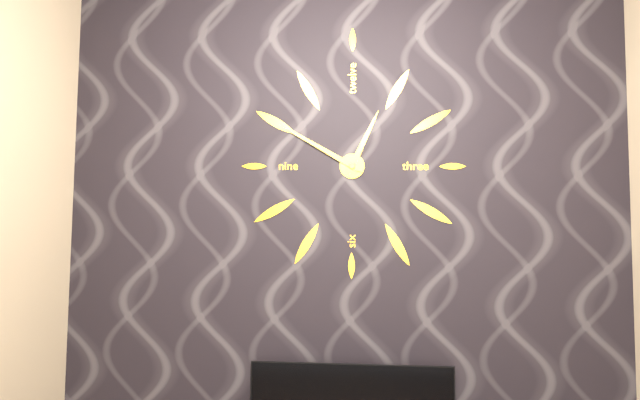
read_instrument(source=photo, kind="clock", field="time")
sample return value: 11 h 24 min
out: 12 h 50 min
